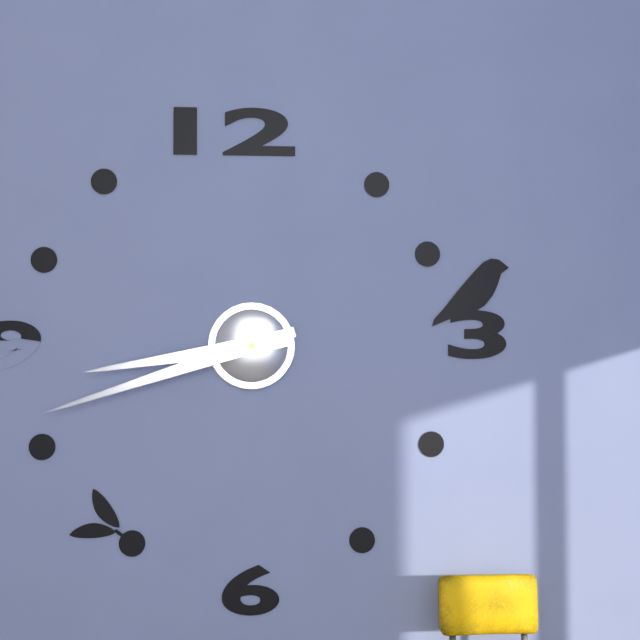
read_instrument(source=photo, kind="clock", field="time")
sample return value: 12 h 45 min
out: 8 h 42 min
